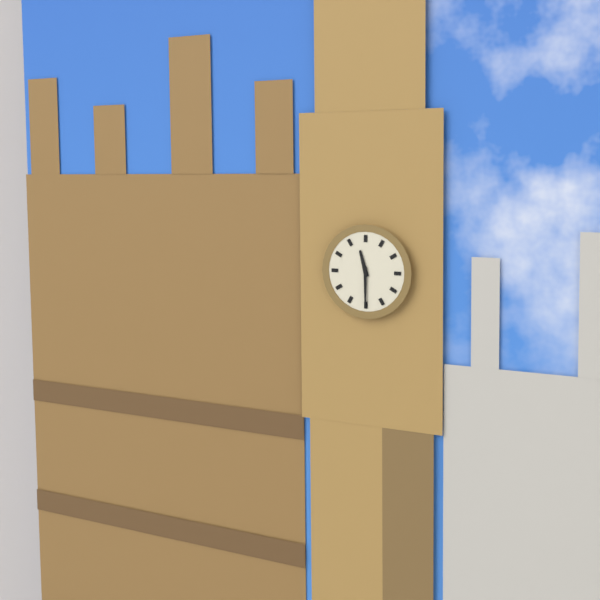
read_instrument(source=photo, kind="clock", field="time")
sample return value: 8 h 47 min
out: 11 h 30 min
